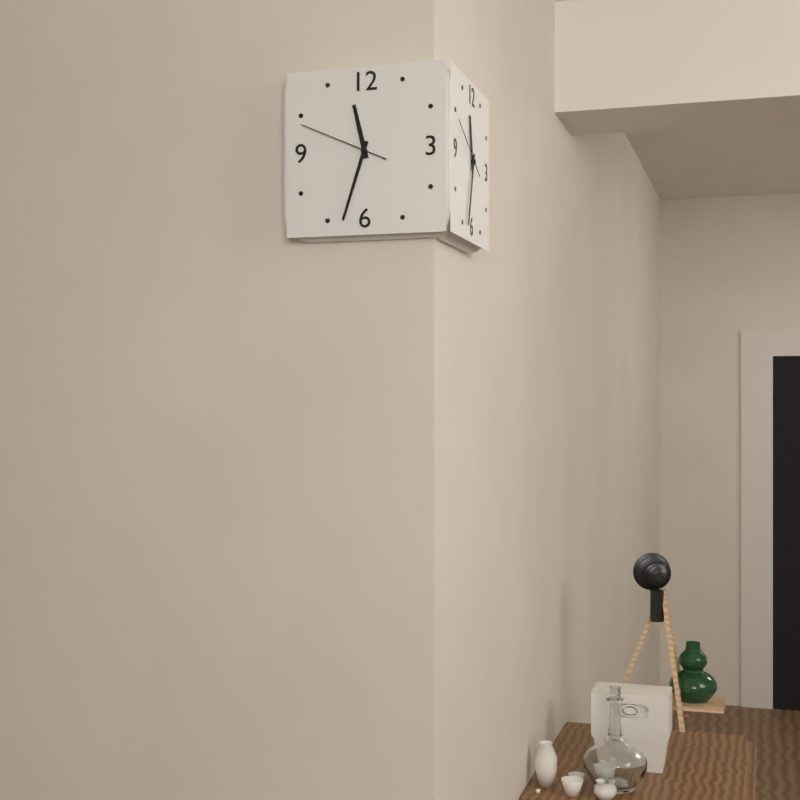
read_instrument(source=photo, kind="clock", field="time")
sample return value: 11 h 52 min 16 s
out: 11 h 33 min 49 s
